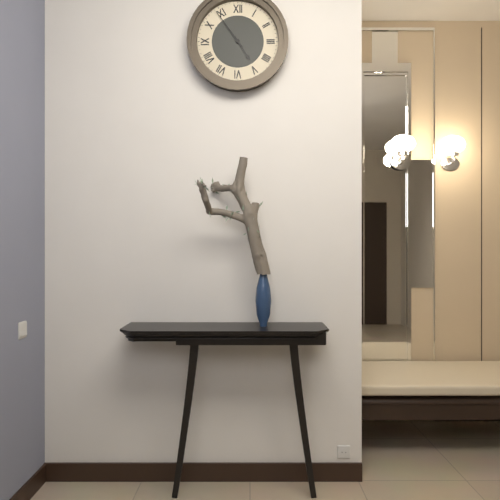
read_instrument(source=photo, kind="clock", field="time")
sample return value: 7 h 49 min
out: 4 h 54 min
